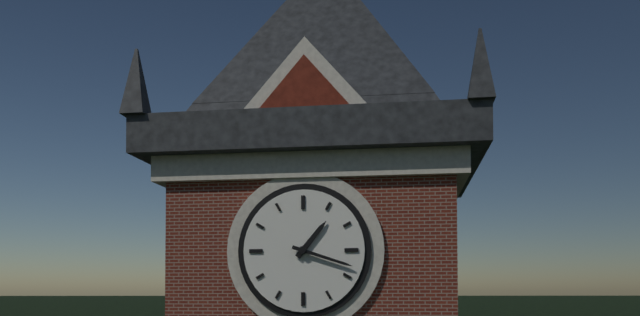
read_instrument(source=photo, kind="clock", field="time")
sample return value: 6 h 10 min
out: 1 h 18 min
